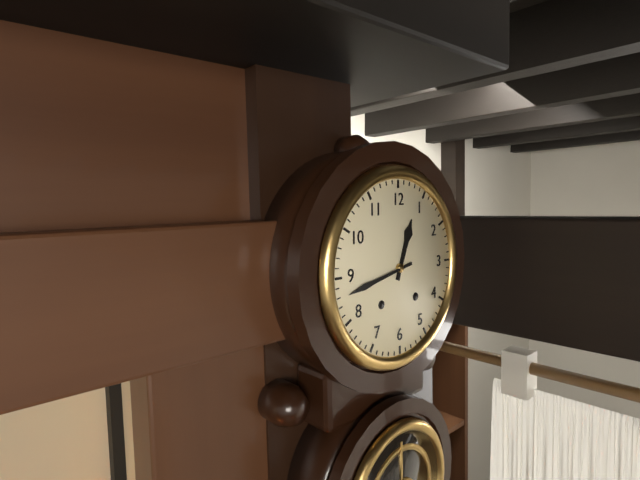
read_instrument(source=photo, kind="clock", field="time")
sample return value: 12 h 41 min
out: 12 h 43 min
